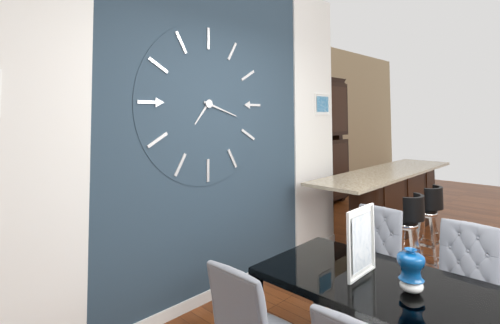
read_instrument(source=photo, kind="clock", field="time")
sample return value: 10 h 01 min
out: 7 h 18 min
